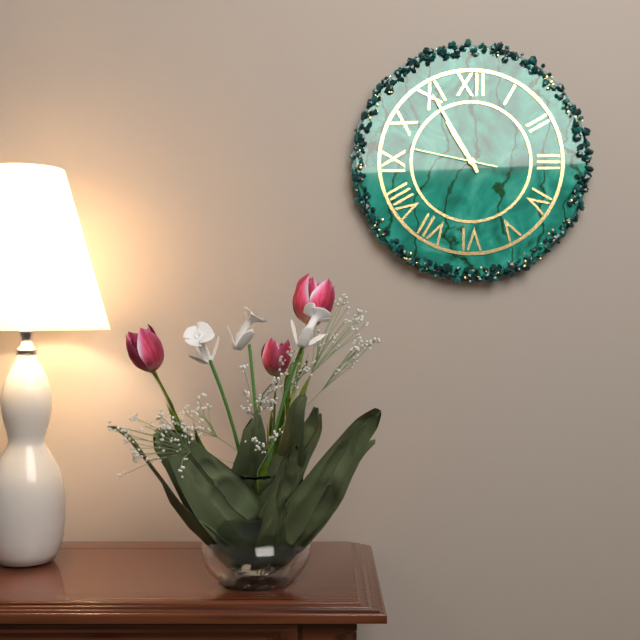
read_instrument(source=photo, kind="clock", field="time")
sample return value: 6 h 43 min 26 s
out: 10 h 55 min 47 s
